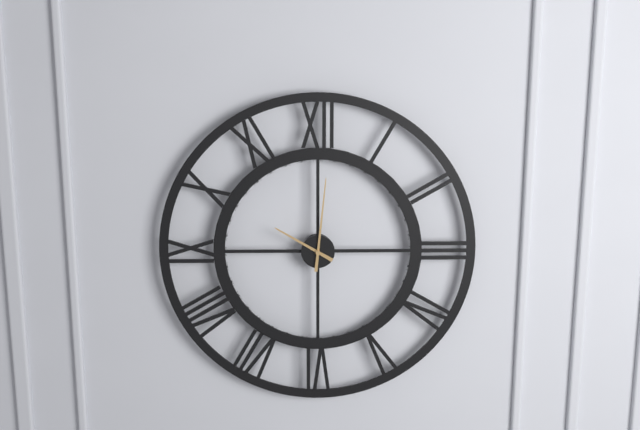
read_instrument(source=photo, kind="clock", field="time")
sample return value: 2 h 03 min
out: 10 h 01 min
